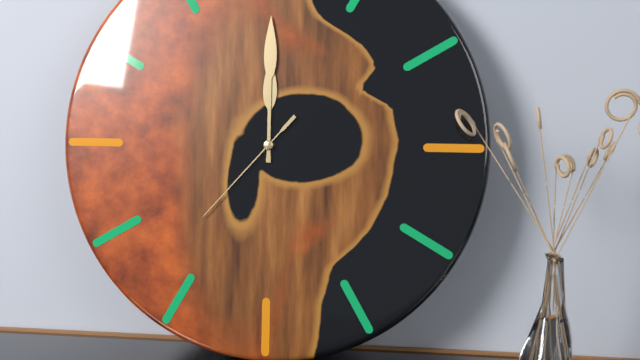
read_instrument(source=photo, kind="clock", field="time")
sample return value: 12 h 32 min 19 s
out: 12 h 00 min 37 s
